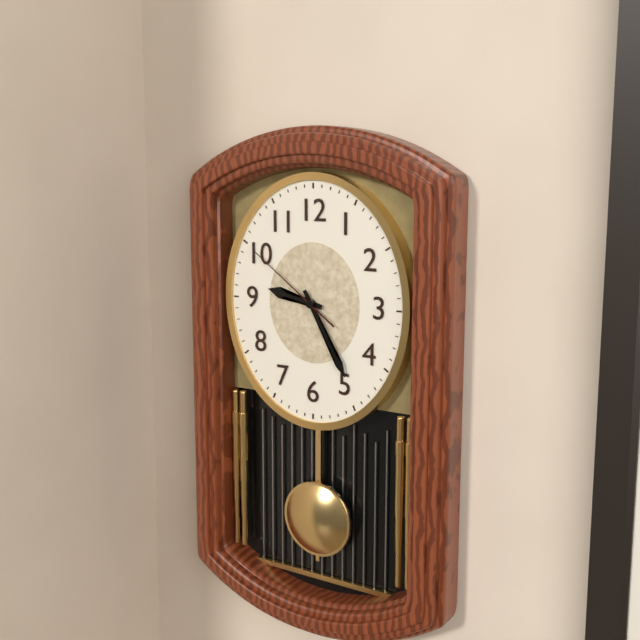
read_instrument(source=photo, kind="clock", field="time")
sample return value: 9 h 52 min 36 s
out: 9 h 25 min 51 s
